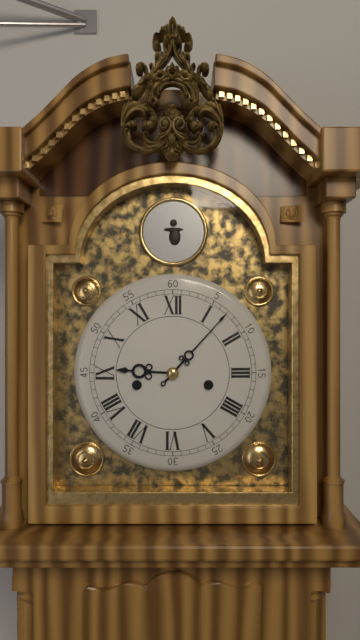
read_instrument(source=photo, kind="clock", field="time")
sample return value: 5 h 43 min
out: 9 h 07 min
